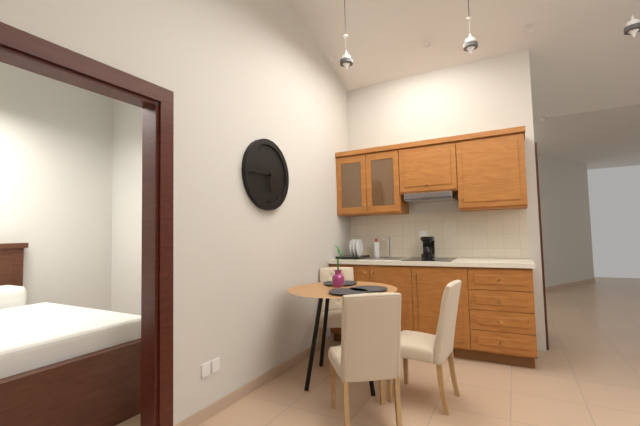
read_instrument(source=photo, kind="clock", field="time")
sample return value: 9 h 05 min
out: 5 h 45 min
